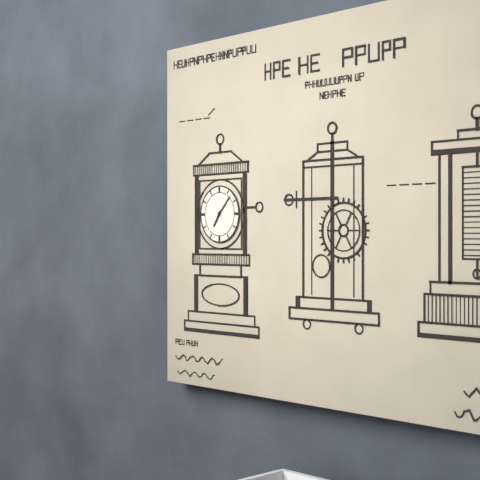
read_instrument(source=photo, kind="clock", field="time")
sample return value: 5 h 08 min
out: 7 h 07 min
